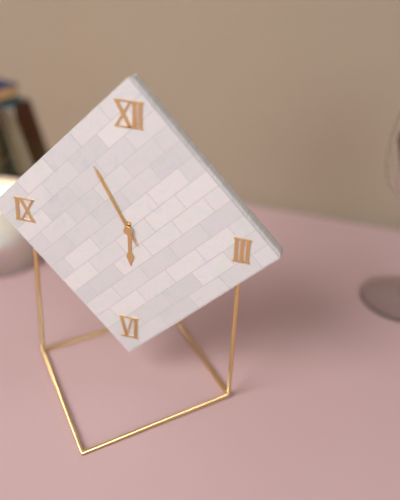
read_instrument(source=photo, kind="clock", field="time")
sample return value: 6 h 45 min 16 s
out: 5 h 55 min 55 s
